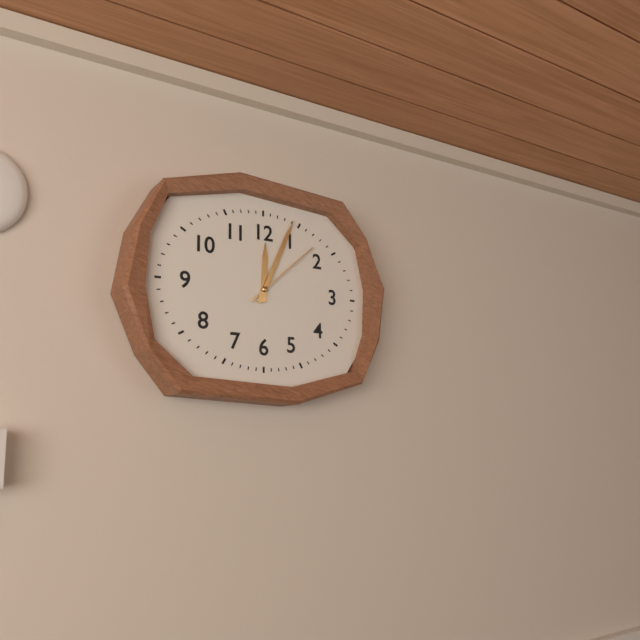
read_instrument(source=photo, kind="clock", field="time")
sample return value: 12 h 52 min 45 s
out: 12 h 04 min 08 s
